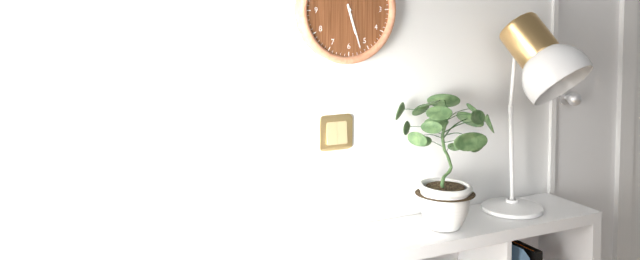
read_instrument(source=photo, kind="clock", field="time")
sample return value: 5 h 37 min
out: 5 h 27 min
